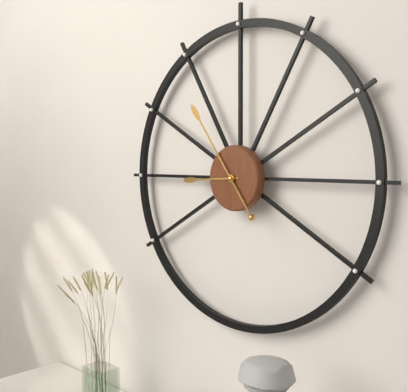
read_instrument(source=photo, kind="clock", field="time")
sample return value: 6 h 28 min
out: 8 h 54 min
